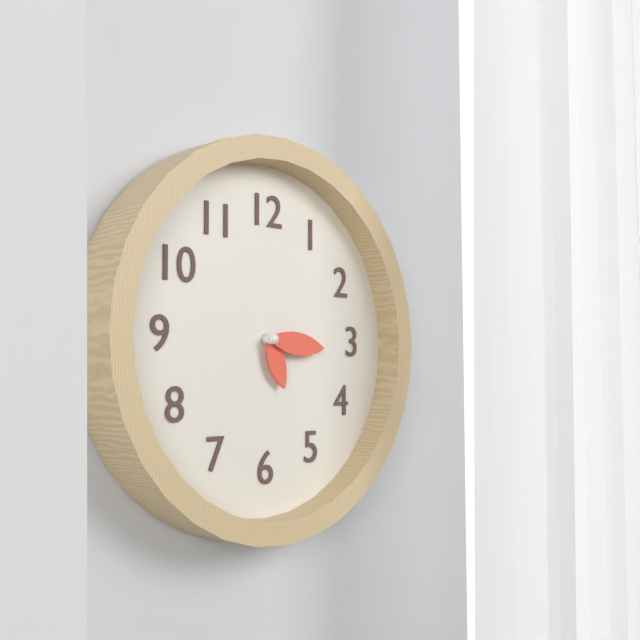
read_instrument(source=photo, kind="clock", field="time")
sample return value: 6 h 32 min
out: 5 h 16 min
